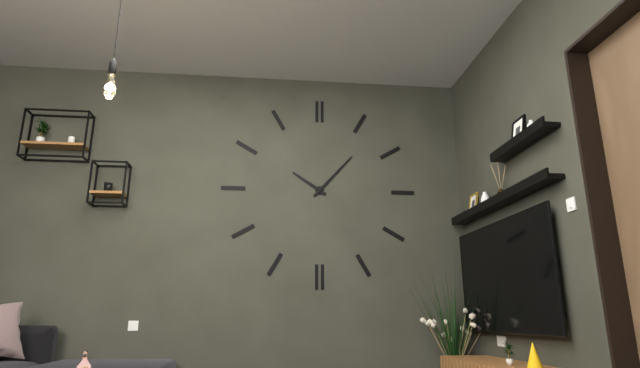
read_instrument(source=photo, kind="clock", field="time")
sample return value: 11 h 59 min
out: 10 h 07 min
